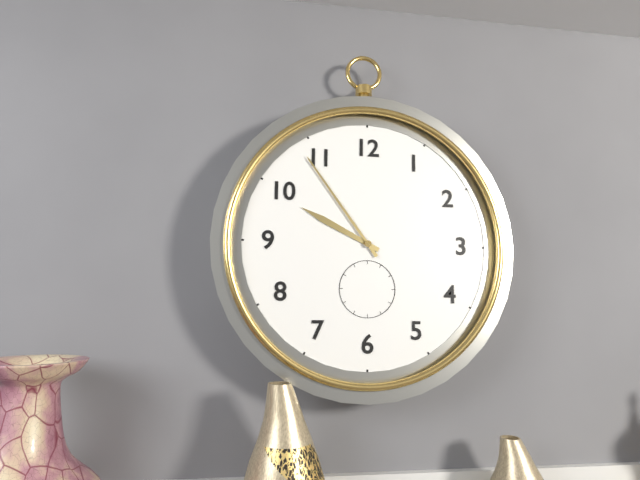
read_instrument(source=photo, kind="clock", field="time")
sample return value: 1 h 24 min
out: 9 h 54 min
